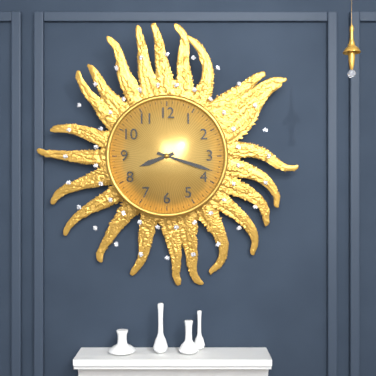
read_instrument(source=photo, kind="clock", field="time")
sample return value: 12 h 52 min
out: 8 h 18 min
